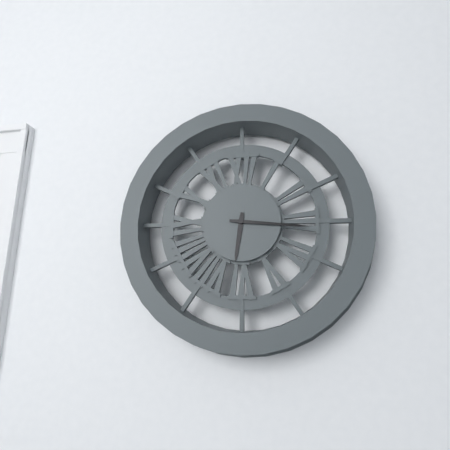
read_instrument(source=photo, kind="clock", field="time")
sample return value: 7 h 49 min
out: 6 h 16 min
